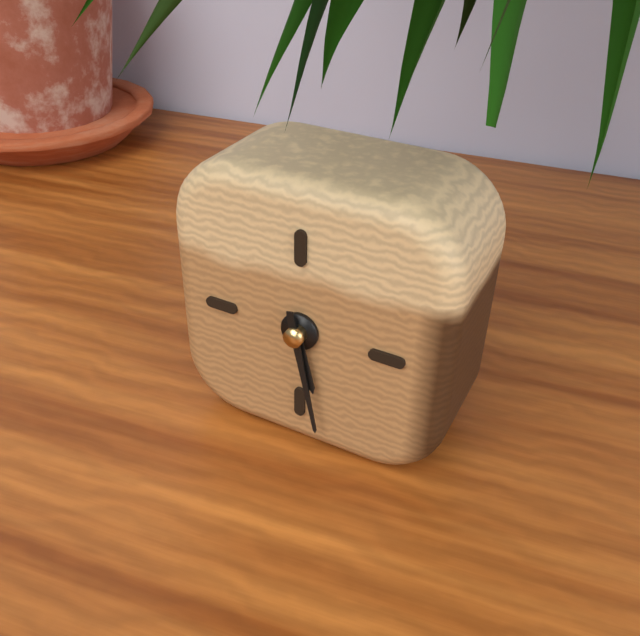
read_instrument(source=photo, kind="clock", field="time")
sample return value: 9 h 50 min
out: 5 h 28 min
